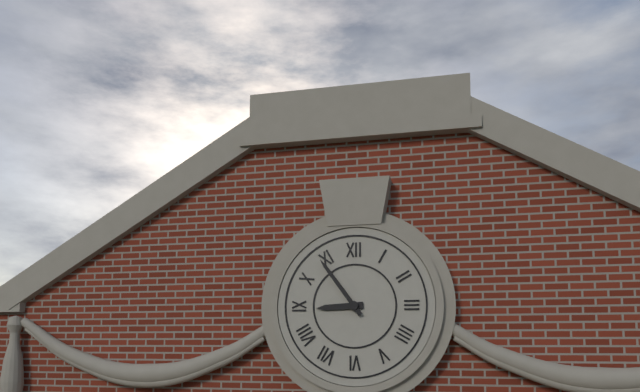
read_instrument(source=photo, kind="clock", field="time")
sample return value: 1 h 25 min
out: 8 h 54 min
